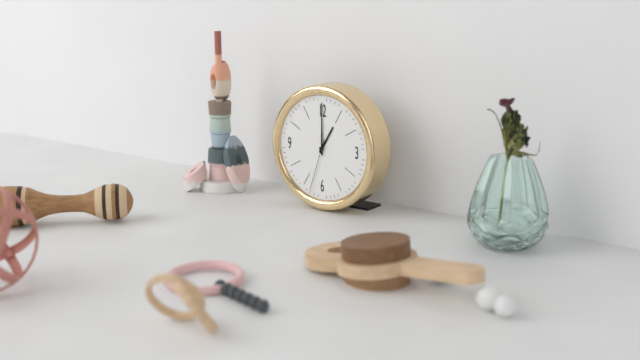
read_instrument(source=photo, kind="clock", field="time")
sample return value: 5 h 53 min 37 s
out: 1 h 00 min 33 s
